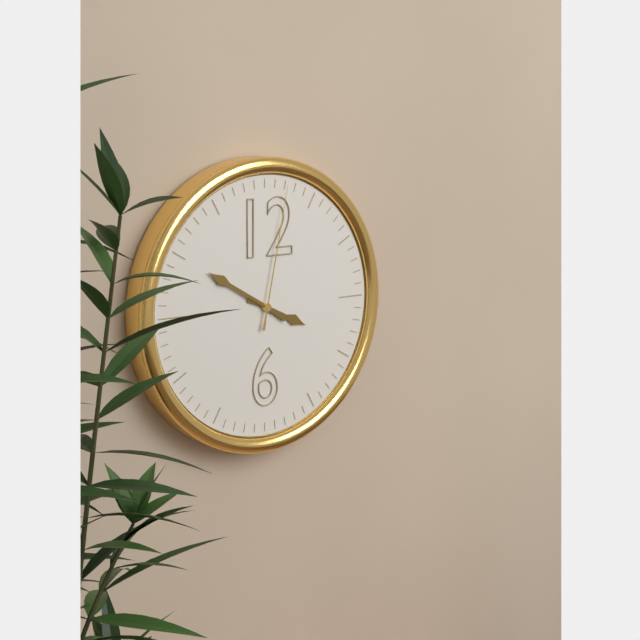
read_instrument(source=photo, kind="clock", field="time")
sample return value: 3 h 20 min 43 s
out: 3 h 50 min 02 s
